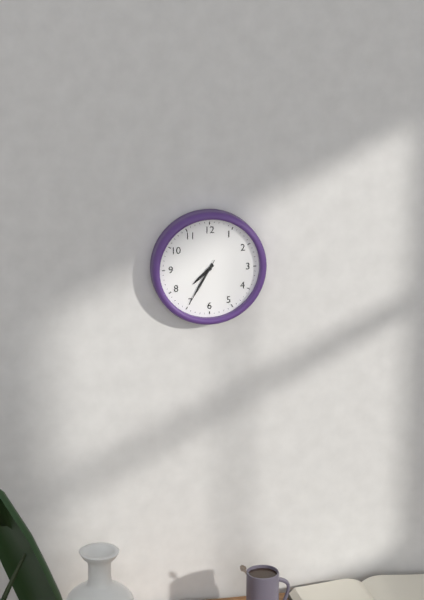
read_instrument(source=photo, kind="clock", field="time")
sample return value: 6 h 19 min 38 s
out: 7 h 35 min 35 s
